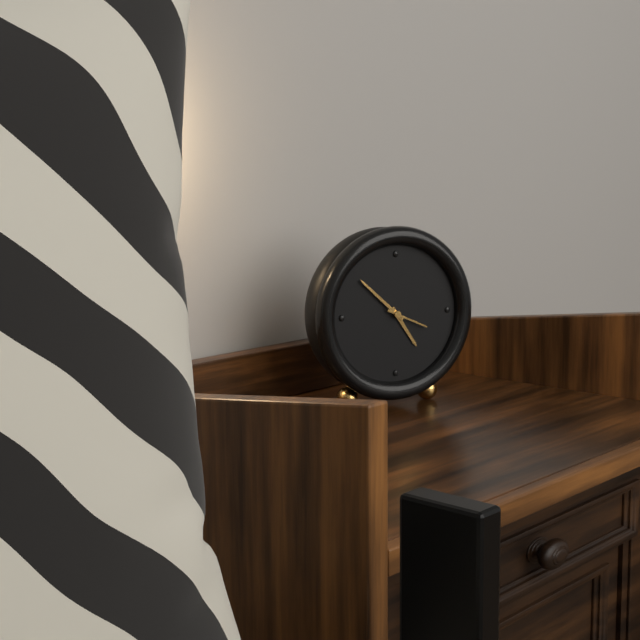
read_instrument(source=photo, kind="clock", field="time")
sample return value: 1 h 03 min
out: 4 h 52 min
